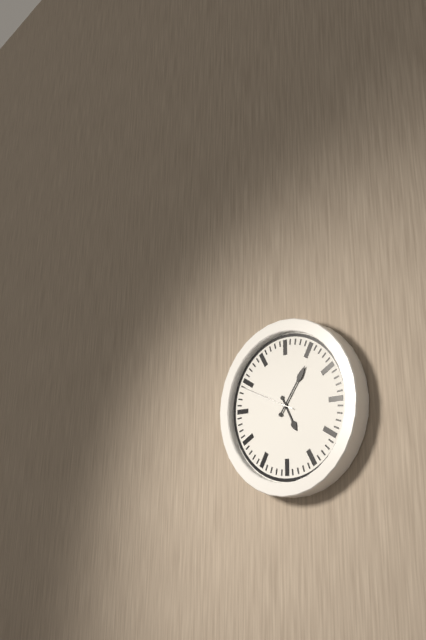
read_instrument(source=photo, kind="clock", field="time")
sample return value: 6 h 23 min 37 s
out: 5 h 06 min 49 s
